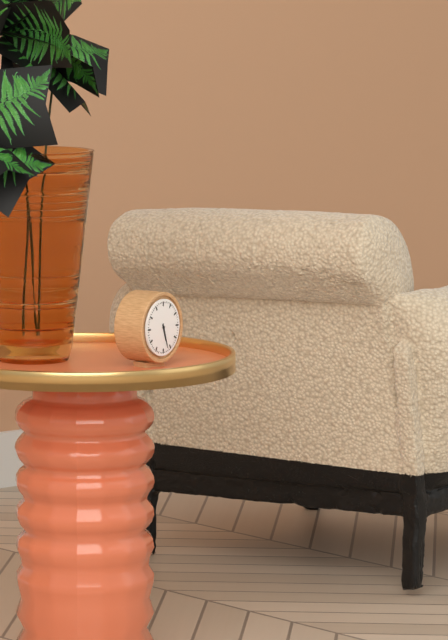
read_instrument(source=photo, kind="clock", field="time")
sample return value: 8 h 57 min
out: 5 h 27 min
